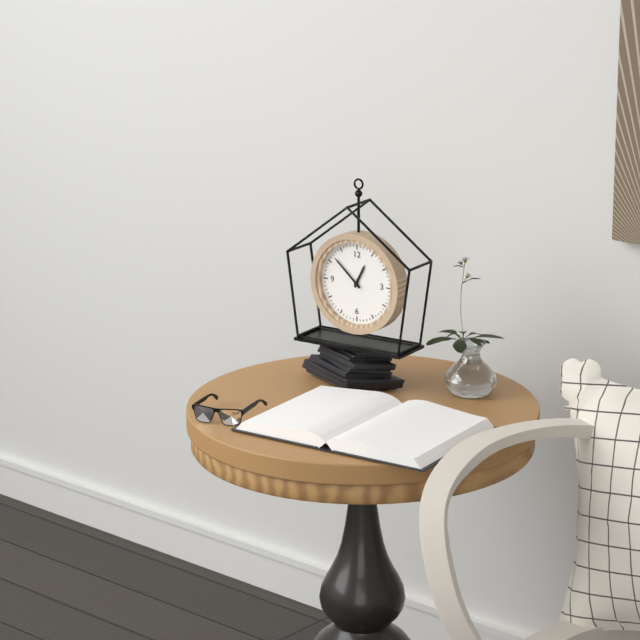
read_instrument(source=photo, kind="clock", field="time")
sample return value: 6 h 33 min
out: 12 h 52 min
